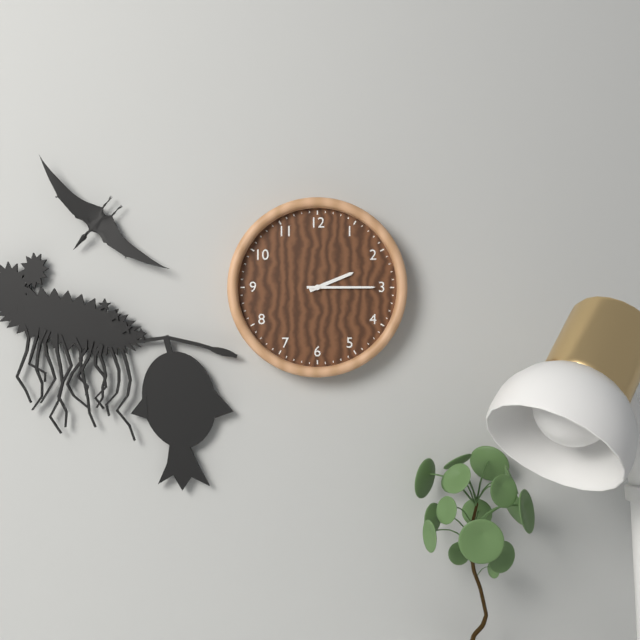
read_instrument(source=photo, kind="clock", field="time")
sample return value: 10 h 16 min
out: 2 h 15 min
